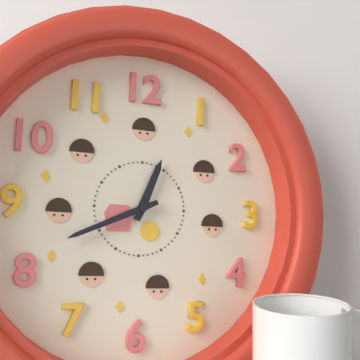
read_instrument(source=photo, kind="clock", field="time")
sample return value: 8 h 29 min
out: 12 h 41 min
